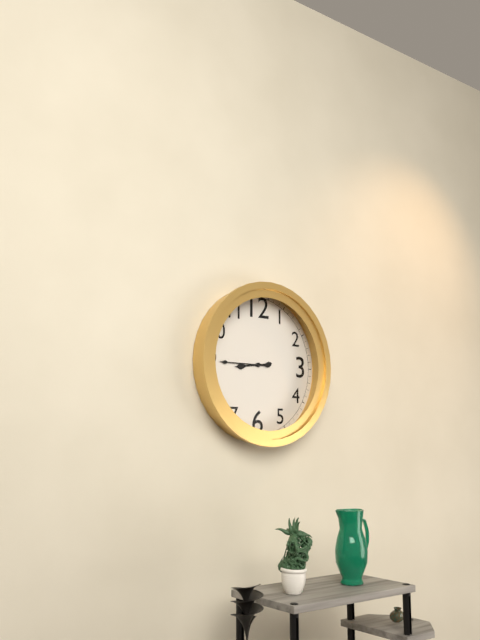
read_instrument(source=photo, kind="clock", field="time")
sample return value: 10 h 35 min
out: 8 h 45 min
